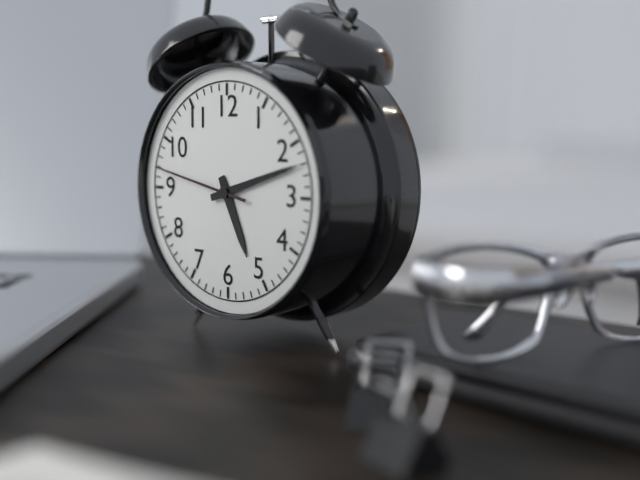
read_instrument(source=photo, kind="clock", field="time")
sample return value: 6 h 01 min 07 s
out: 5 h 12 min 47 s
